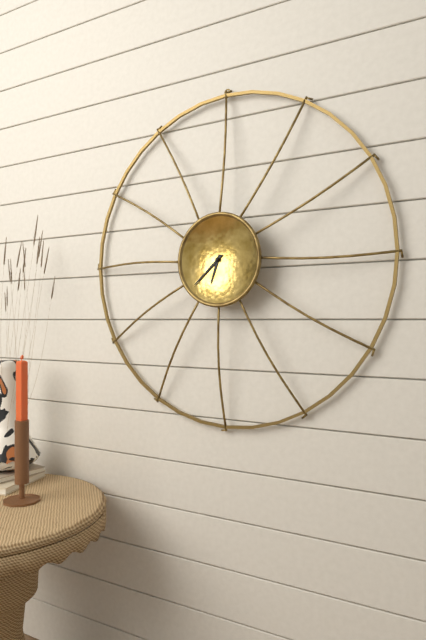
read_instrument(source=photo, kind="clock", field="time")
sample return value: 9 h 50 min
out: 6 h 38 min
